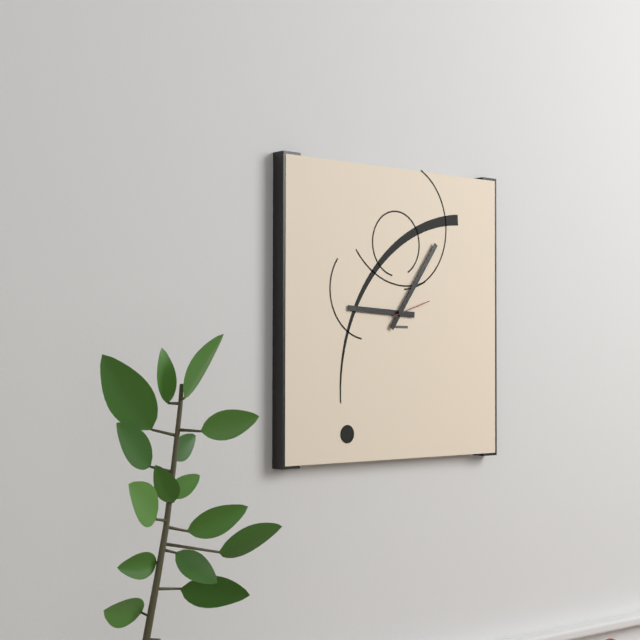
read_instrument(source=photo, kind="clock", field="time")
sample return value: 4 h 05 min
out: 9 h 06 min
